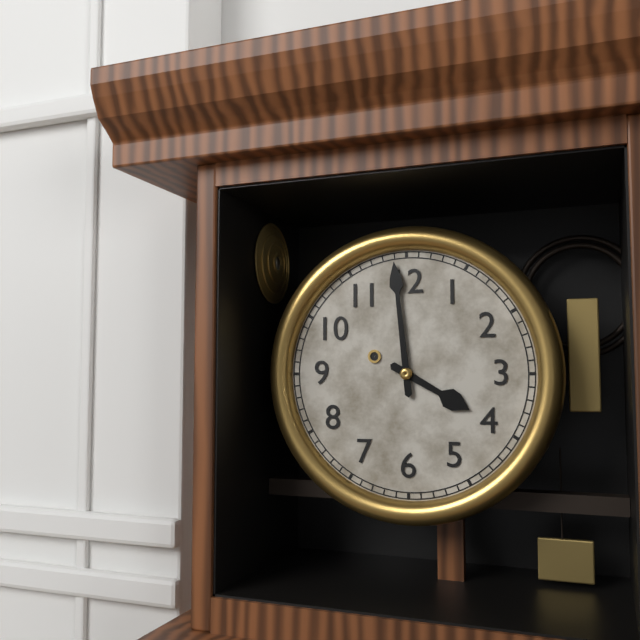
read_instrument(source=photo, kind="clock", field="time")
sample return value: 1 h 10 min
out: 3 h 59 min
